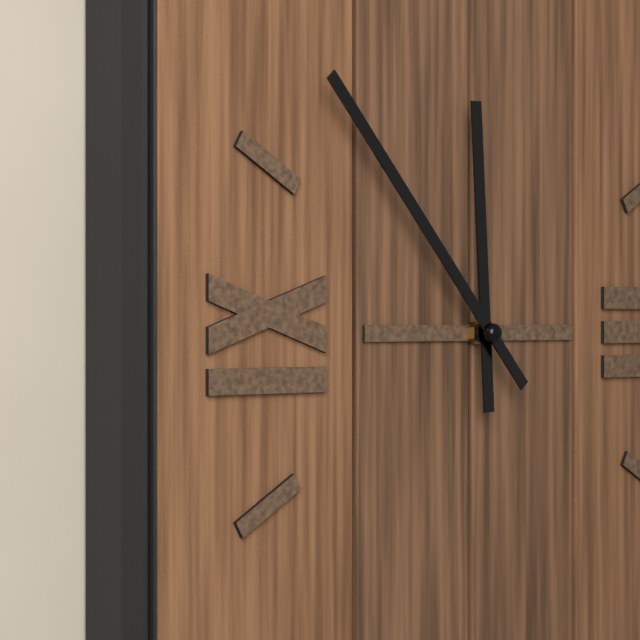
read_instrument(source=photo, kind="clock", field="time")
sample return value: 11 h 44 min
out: 11 h 53 min
